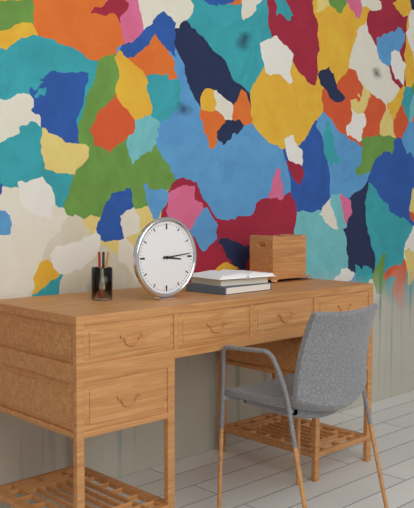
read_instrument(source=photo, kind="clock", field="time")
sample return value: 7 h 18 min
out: 3 h 14 min
